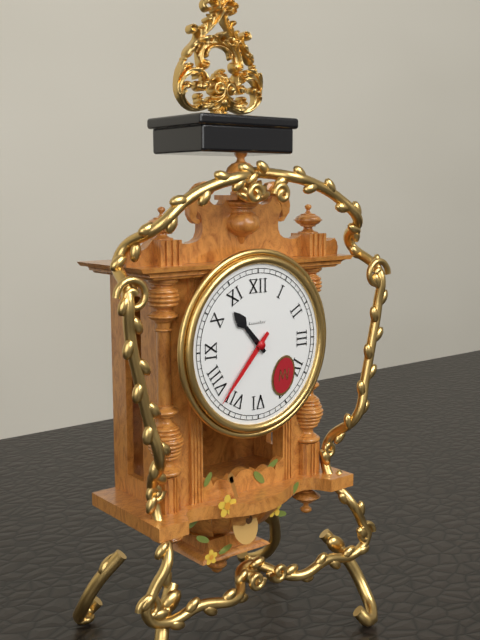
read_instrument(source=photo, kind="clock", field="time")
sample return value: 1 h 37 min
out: 10 h 37 min
